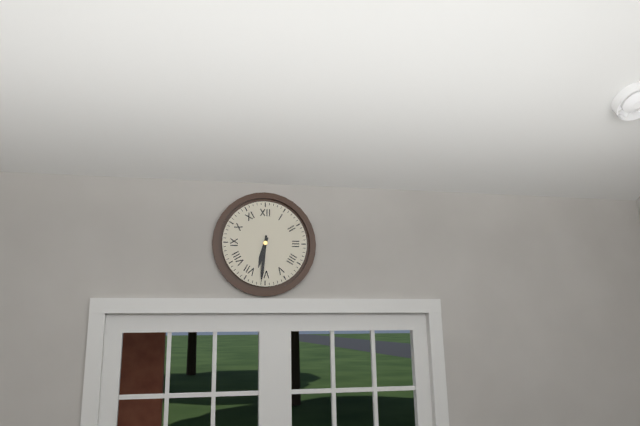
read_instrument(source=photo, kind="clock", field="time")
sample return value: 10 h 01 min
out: 6 h 31 min
